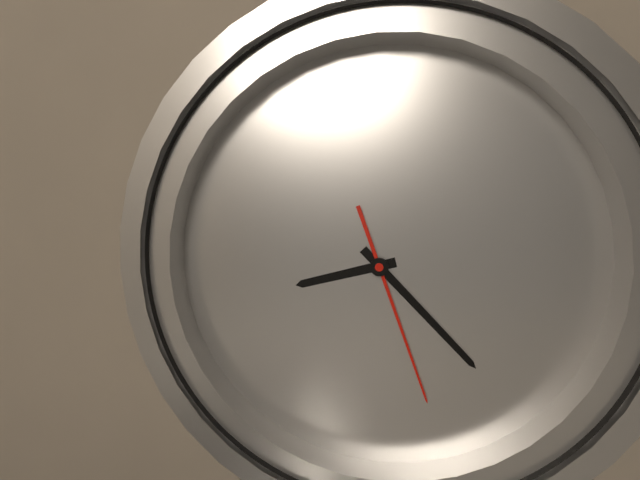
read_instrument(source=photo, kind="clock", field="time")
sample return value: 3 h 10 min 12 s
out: 8 h 22 min 26 s
